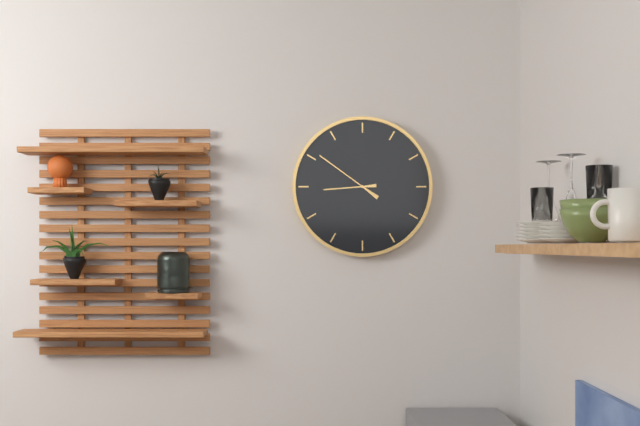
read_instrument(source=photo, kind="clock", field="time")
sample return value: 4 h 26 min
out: 8 h 51 min
